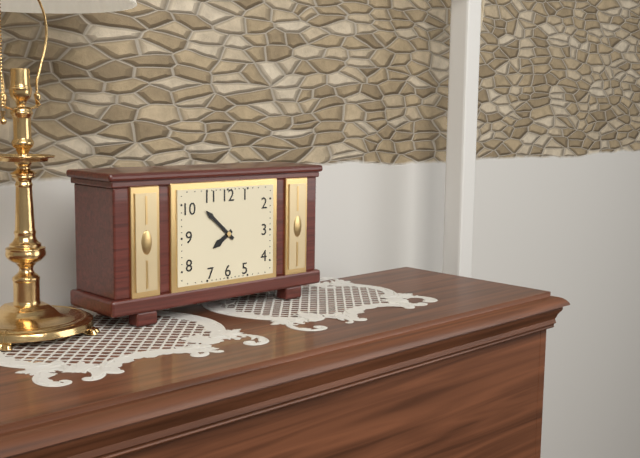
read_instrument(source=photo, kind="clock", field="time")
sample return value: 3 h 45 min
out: 7 h 52 min
